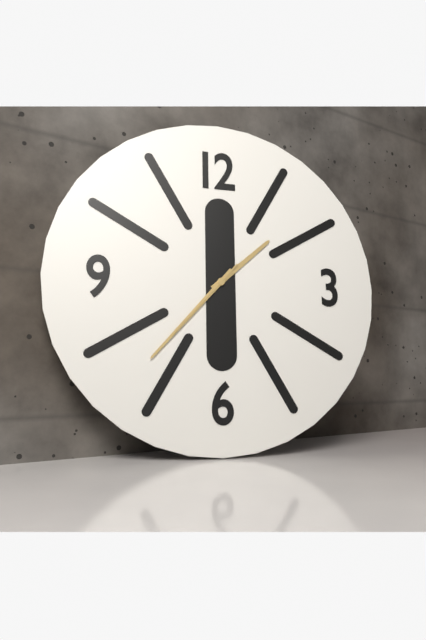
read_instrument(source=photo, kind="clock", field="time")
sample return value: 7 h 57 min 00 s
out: 1 h 37 min 37 s
